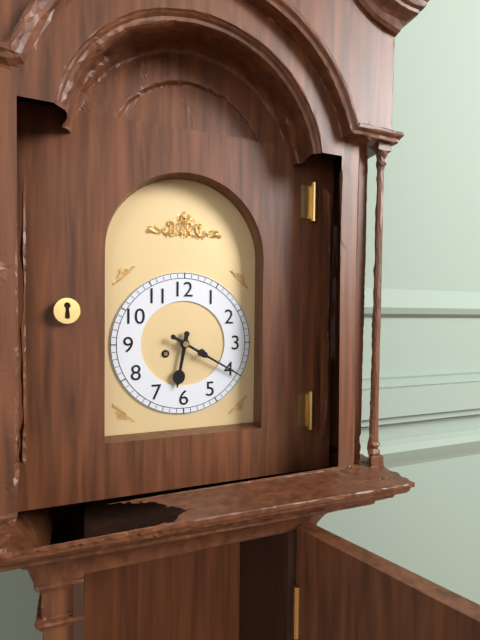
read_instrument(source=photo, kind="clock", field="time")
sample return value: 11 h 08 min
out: 6 h 20 min
